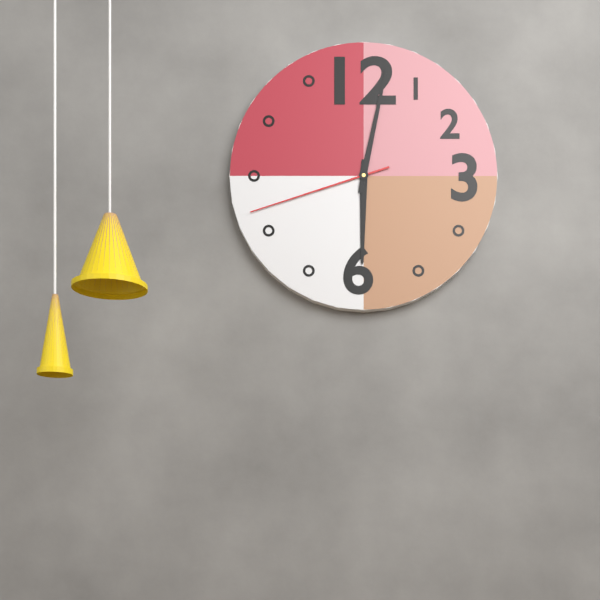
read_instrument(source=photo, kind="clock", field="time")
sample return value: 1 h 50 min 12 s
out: 6 h 02 min 42 s
